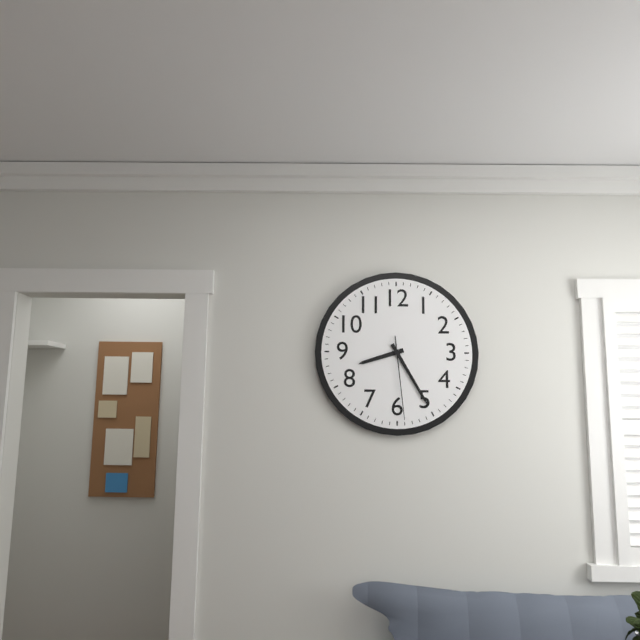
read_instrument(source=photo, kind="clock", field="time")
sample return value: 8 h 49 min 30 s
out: 8 h 25 min 29 s
